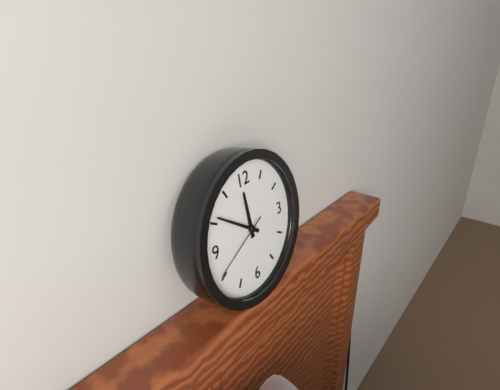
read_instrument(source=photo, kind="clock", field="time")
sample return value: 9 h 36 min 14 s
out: 11 h 51 min 41 s
